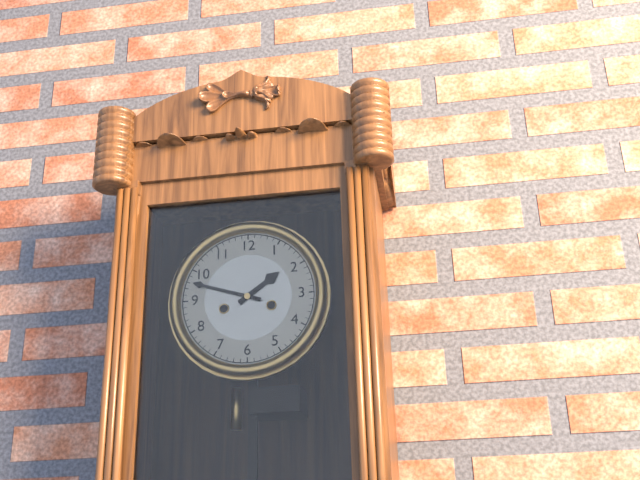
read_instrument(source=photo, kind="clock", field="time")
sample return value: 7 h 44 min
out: 1 h 48 min
